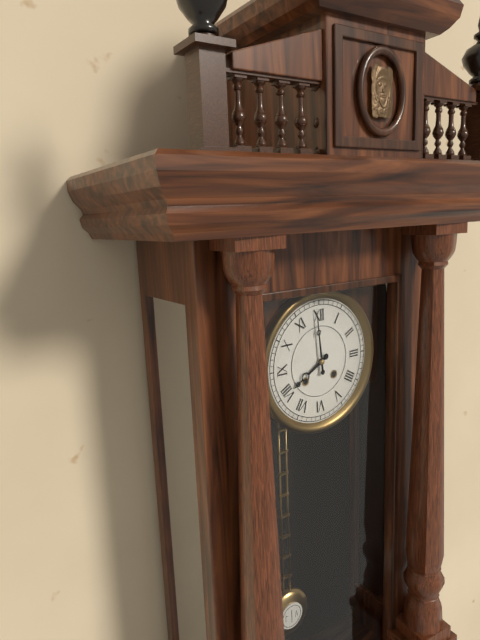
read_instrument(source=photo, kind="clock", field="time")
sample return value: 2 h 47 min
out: 7 h 59 min
